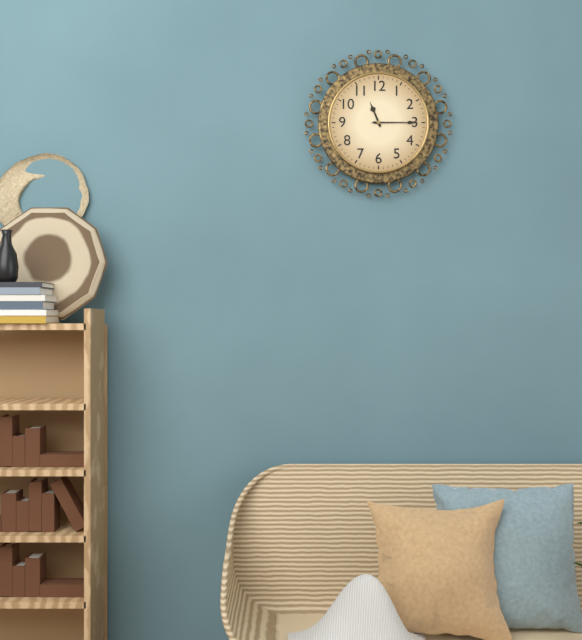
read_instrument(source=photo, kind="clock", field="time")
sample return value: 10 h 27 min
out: 11 h 15 min
